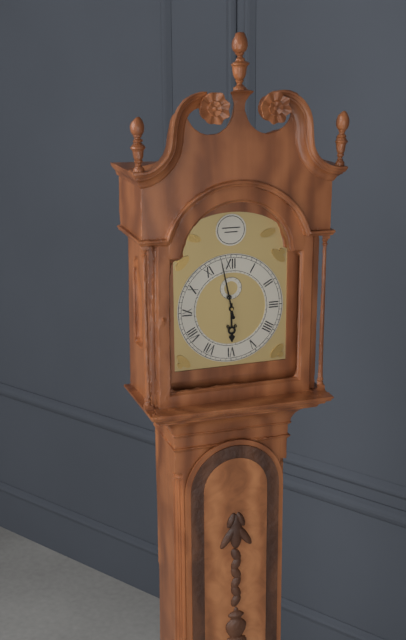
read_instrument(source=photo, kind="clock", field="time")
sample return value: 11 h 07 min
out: 5 h 58 min
